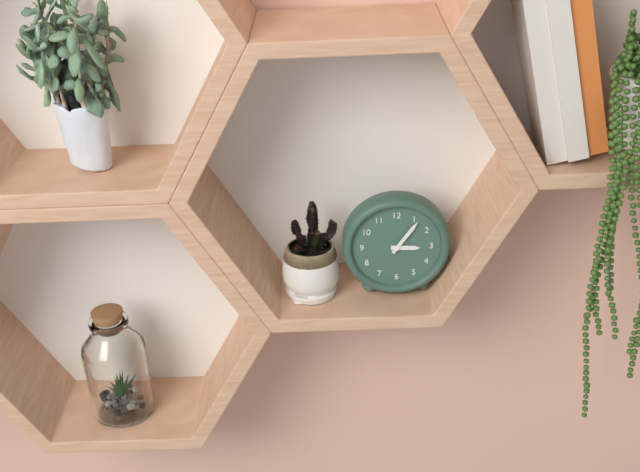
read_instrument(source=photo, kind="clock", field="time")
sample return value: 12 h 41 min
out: 3 h 06 min
